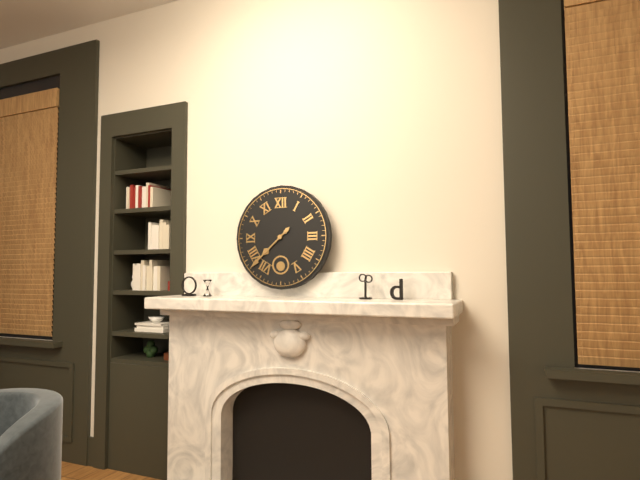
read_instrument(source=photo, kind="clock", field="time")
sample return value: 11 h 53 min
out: 7 h 38 min
